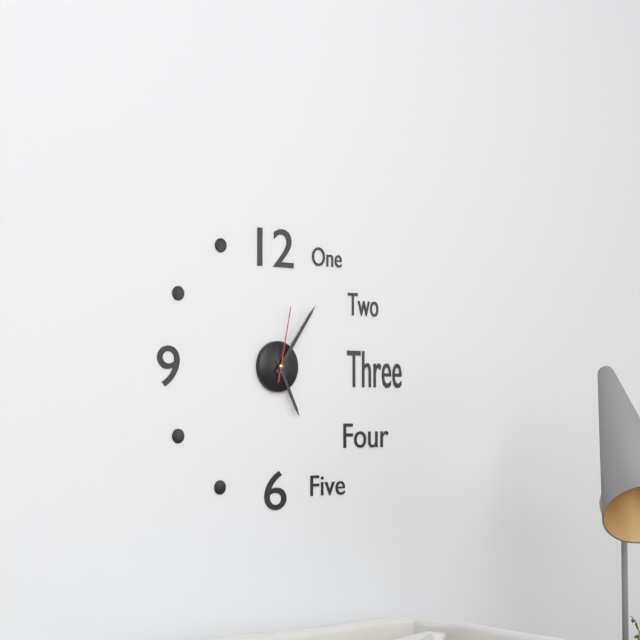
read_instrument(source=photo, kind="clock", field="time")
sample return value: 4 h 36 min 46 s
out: 5 h 06 min 02 s
